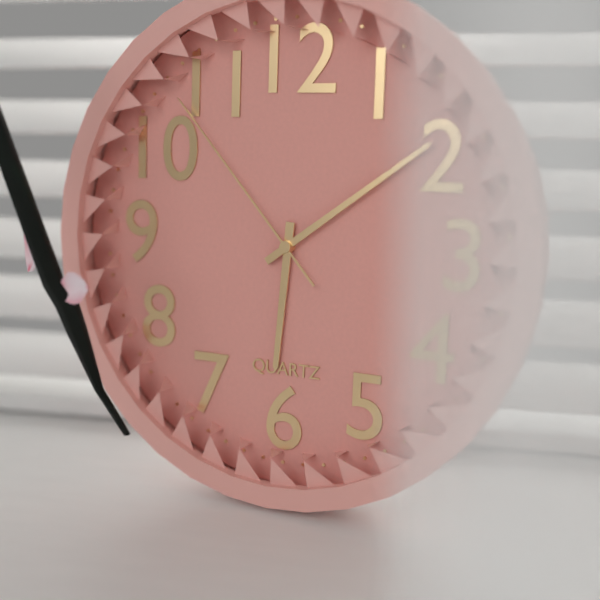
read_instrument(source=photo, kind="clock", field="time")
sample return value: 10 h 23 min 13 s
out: 6 h 09 min 53 s
